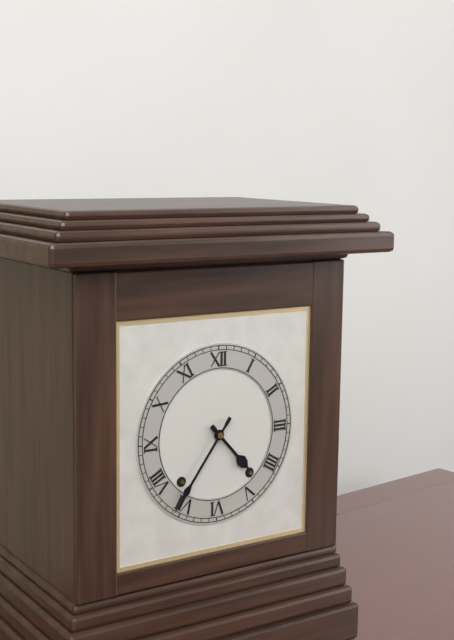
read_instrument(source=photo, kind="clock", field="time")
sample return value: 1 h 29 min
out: 4 h 36 min
